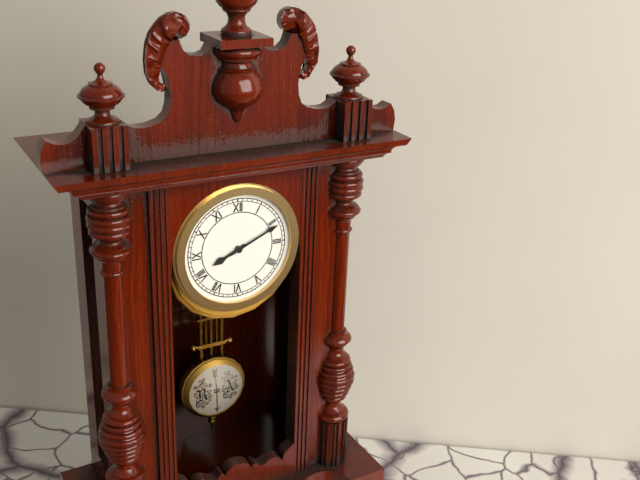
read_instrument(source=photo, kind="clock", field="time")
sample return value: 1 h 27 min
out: 8 h 11 min
